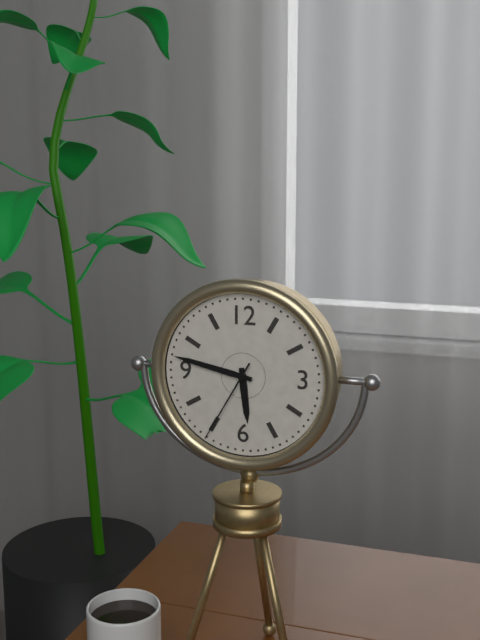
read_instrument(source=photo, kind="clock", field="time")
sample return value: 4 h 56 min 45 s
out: 5 h 47 min 35 s
